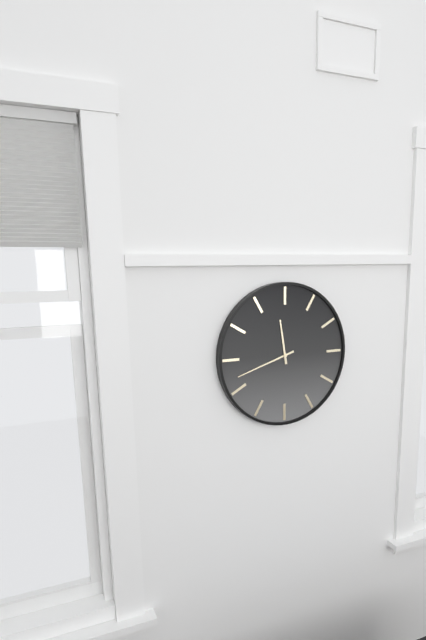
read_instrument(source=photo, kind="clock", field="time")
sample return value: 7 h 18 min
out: 11 h 42 min
